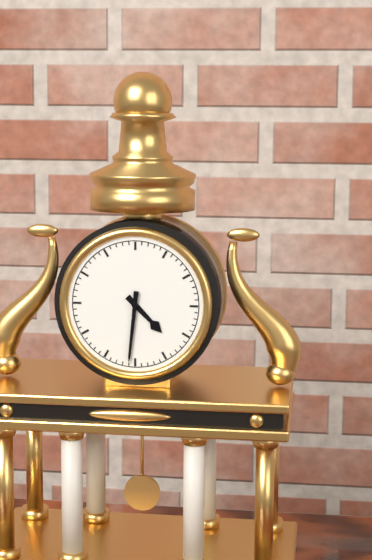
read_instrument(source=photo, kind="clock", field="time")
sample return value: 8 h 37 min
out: 4 h 31 min
